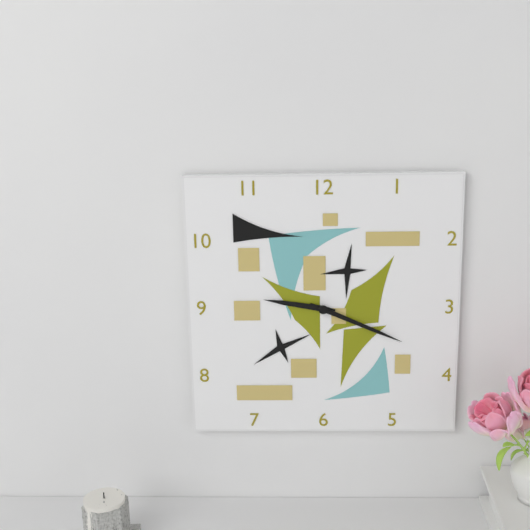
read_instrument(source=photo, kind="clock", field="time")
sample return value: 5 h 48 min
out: 9 h 19 min
